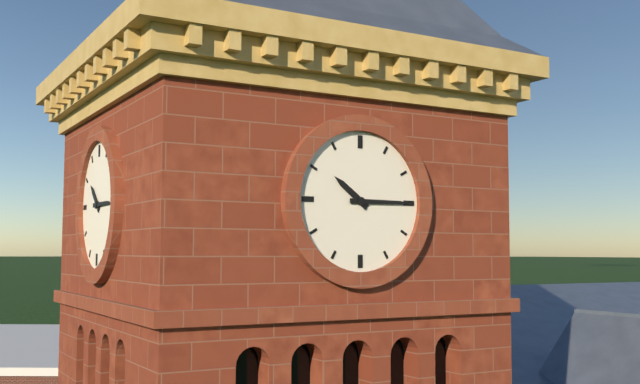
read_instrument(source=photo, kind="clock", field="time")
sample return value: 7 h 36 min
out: 10 h 15 min
